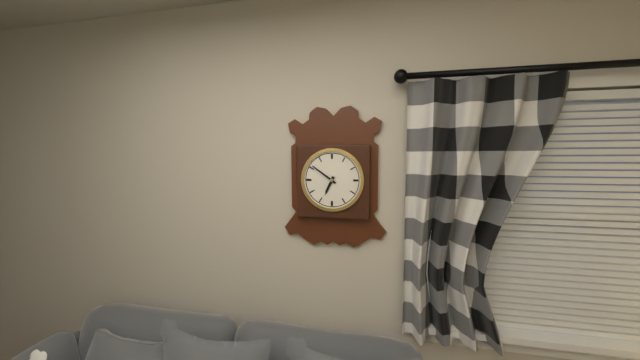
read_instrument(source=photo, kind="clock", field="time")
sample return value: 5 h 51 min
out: 6 h 51 min
